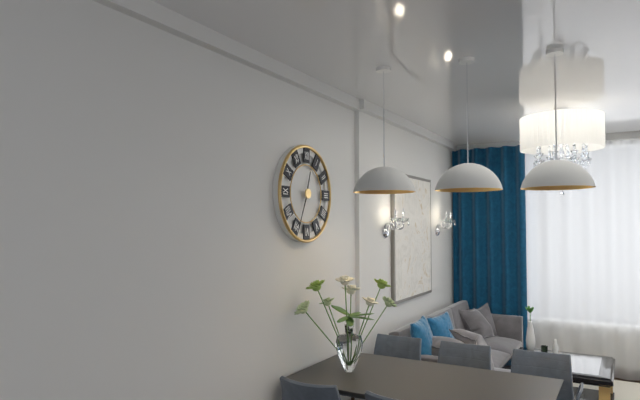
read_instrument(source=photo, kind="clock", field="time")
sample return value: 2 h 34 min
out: 12 h 34 min
